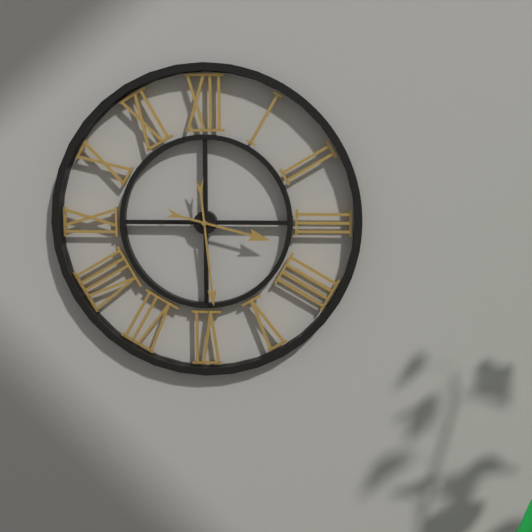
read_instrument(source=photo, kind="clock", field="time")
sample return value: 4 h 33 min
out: 3 h 29 min
